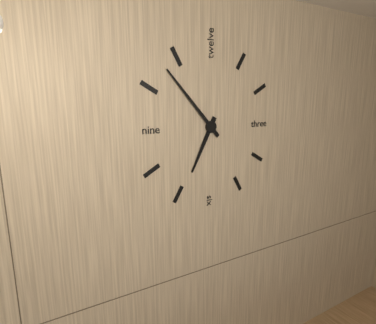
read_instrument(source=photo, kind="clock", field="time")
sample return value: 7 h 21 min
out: 6 h 53 min
